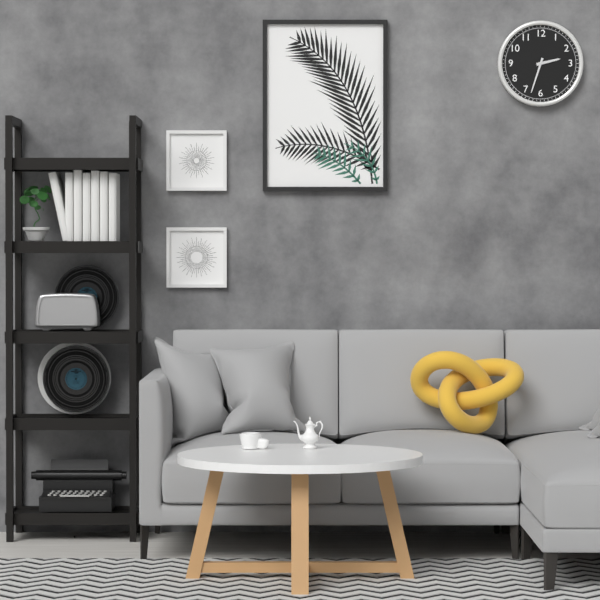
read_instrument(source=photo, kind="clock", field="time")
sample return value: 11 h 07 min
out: 2 h 33 min
